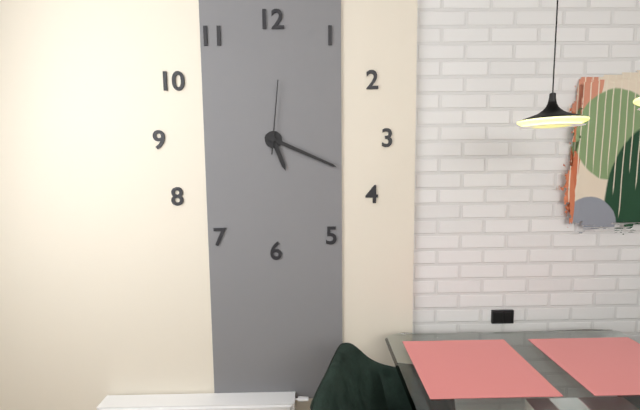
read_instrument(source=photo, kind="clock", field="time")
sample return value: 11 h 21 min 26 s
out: 5 h 19 min 01 s
